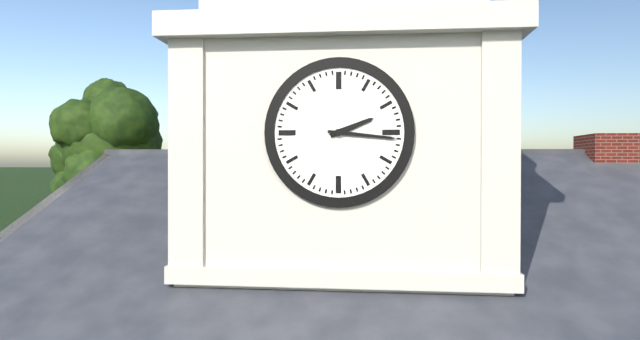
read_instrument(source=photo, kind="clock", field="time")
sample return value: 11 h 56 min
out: 2 h 16 min
